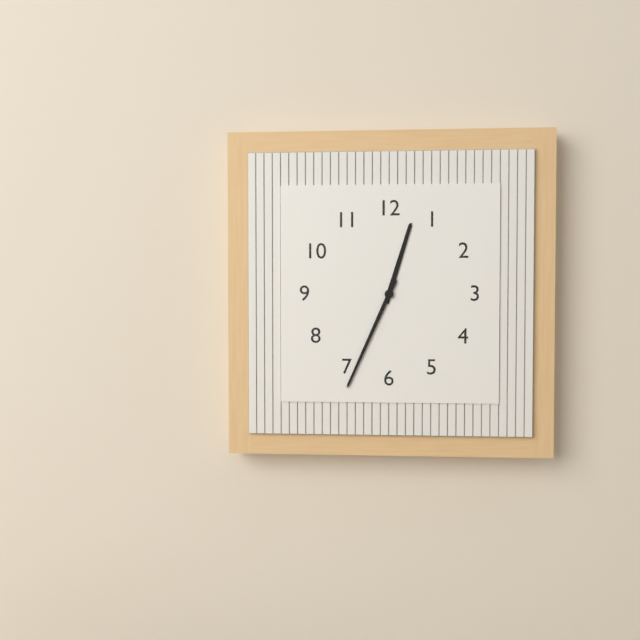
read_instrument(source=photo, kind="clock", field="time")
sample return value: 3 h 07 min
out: 12 h 34 min
